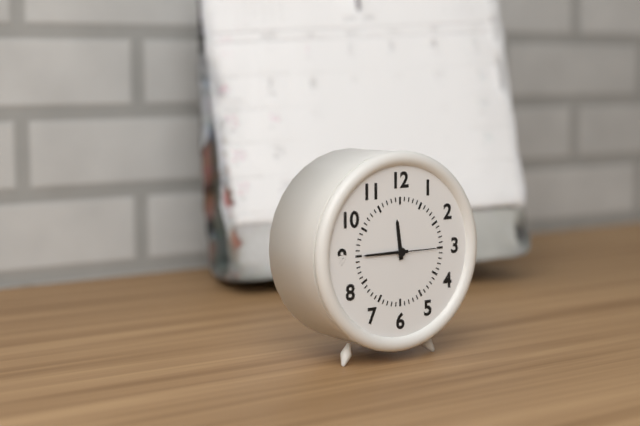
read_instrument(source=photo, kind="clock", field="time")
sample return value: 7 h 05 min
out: 11 h 45 min
